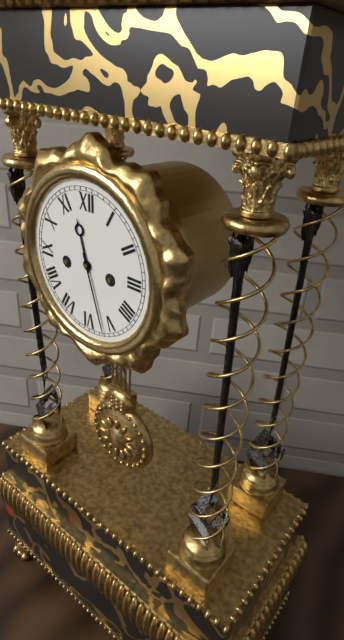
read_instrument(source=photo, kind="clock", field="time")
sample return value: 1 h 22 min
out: 11 h 27 min
